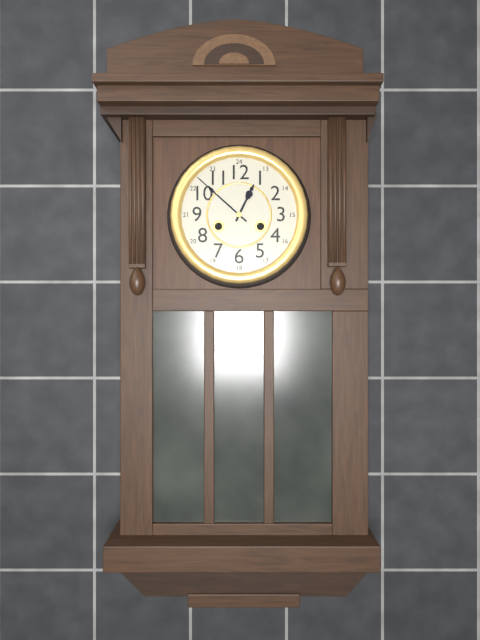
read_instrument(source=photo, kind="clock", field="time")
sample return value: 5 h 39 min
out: 12 h 52 min
